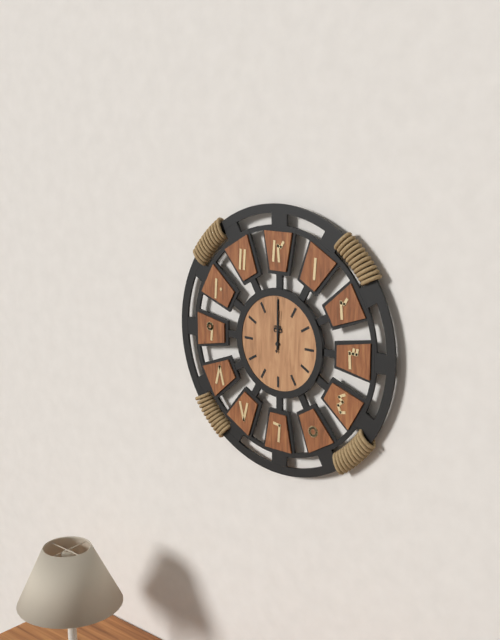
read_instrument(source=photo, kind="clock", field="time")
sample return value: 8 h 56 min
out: 12 h 00 min
